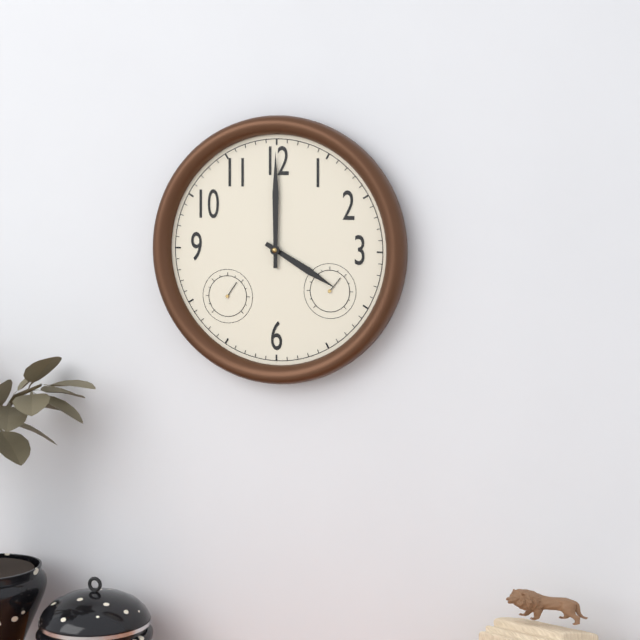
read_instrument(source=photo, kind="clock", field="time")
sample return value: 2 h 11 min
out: 4 h 00 min
